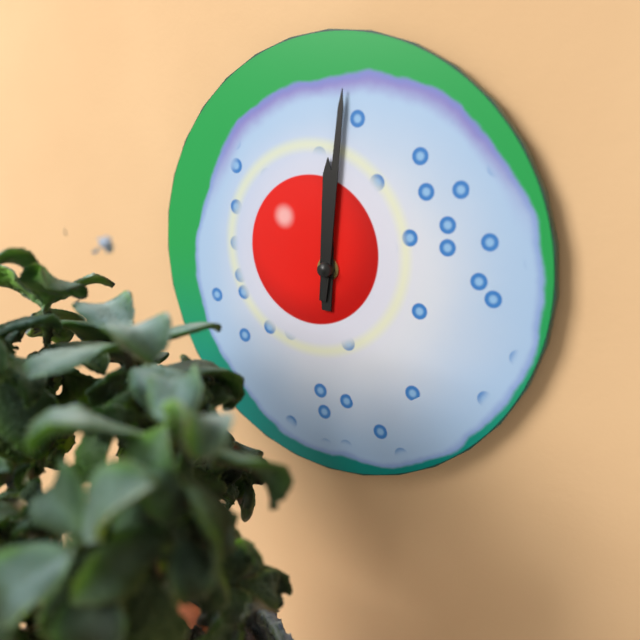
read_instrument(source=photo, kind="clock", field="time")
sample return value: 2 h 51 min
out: 12 h 01 min
